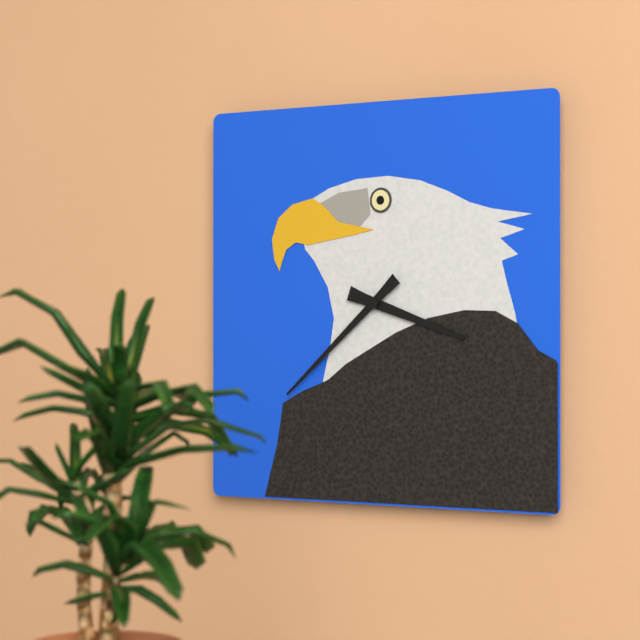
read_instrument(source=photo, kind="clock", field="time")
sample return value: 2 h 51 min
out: 3 h 38 min
